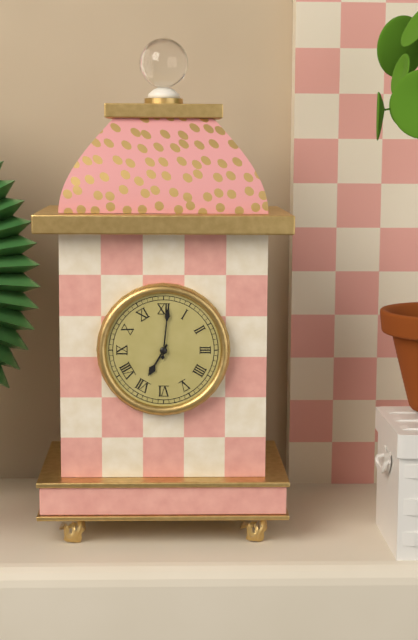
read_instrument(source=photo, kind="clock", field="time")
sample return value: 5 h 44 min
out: 7 h 01 min
